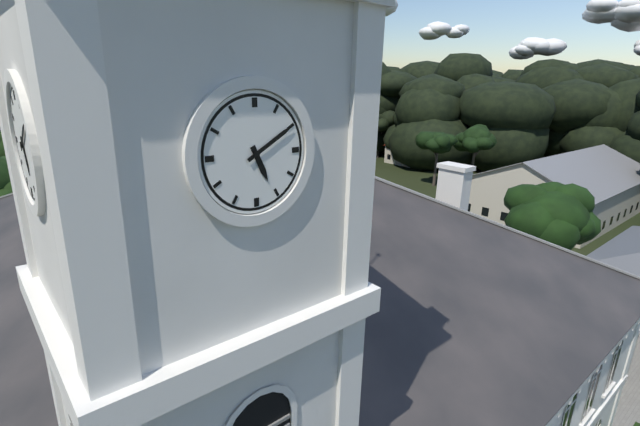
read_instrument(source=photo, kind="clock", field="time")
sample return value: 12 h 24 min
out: 5 h 10 min
